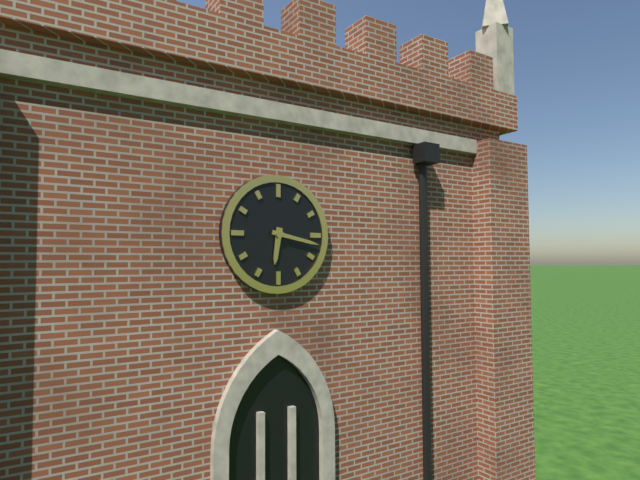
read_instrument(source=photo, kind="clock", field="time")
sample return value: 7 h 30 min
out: 6 h 17 min
